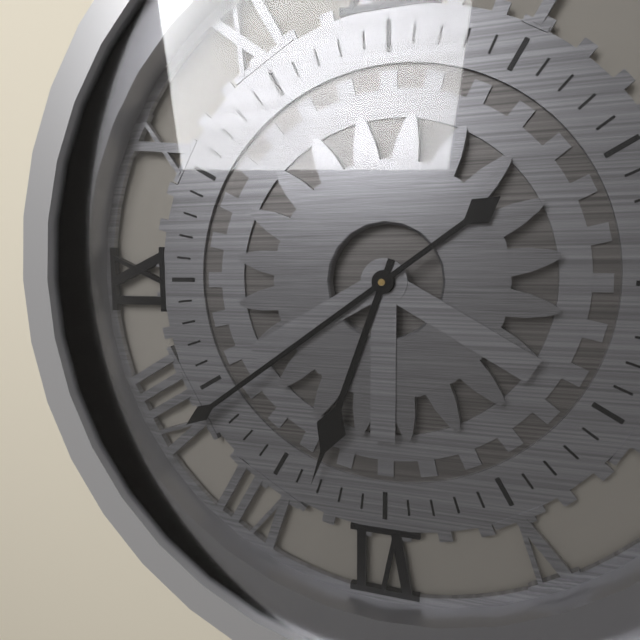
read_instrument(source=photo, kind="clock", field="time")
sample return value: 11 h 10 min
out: 6 h 39 min
